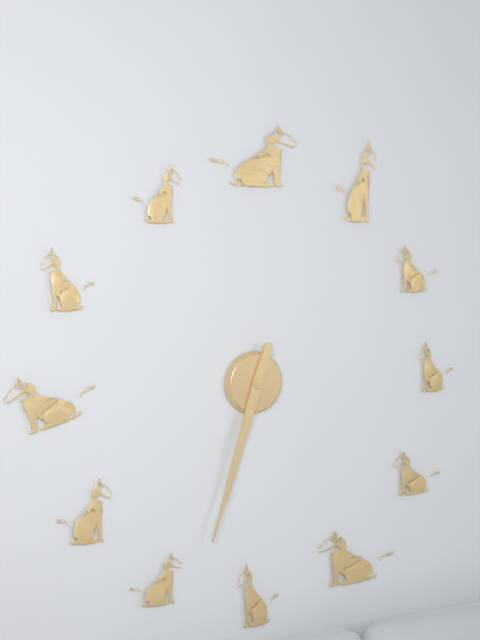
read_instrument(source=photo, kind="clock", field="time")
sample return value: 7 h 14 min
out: 6 h 33 min
